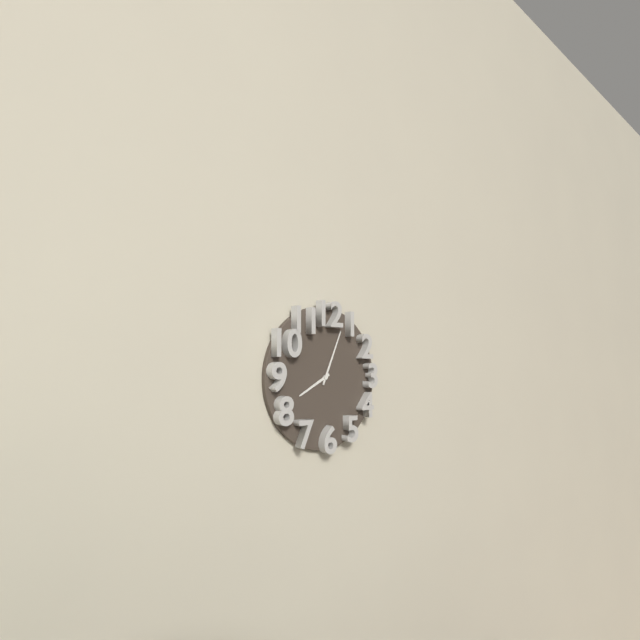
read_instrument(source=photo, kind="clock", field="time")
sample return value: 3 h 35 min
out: 8 h 04 min
